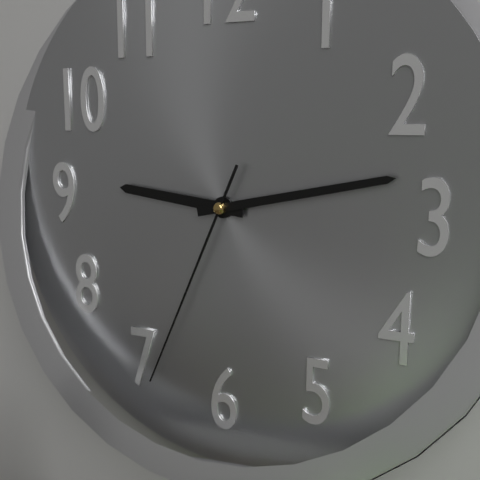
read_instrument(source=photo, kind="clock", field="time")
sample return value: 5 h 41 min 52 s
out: 9 h 13 min 34 s
